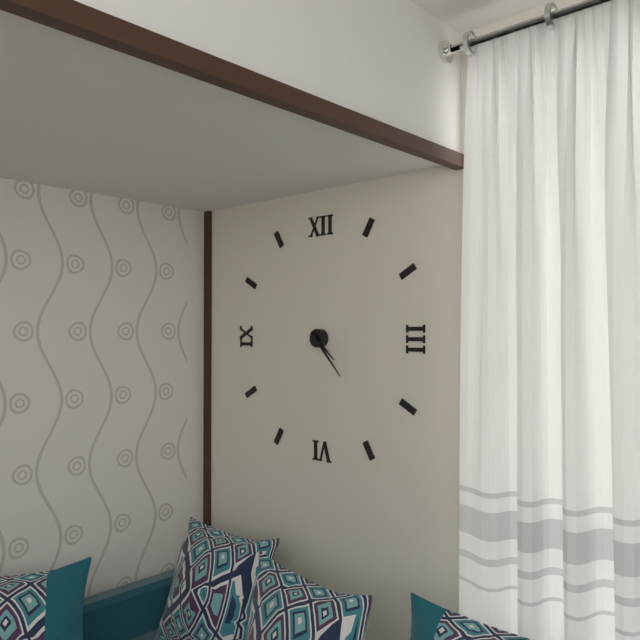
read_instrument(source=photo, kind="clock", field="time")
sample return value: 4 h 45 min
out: 4 h 23 min
